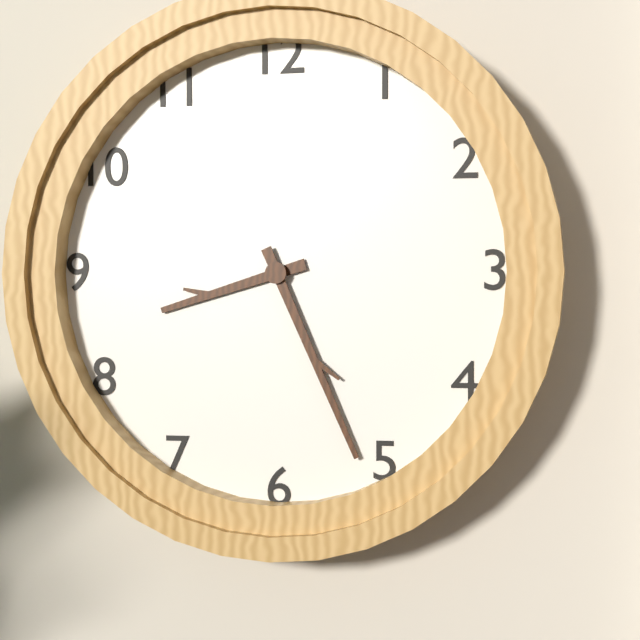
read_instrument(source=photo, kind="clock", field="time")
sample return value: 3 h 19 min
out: 8 h 26 min
